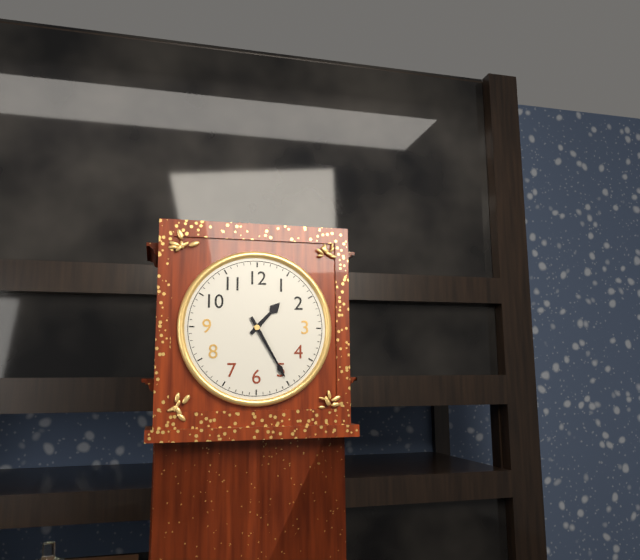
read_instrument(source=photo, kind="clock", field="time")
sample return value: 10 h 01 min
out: 1 h 25 min
